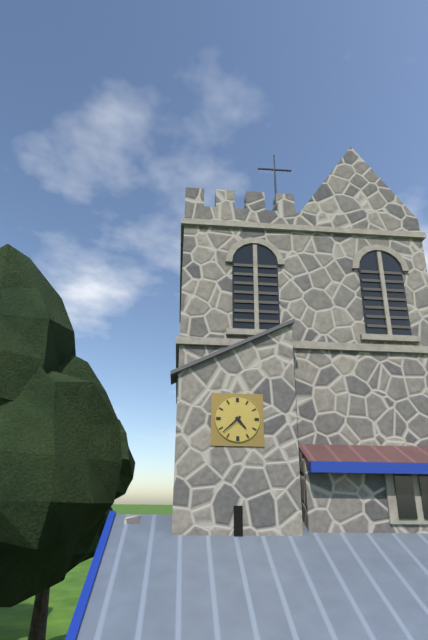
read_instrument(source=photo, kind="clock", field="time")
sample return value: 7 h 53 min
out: 4 h 38 min
